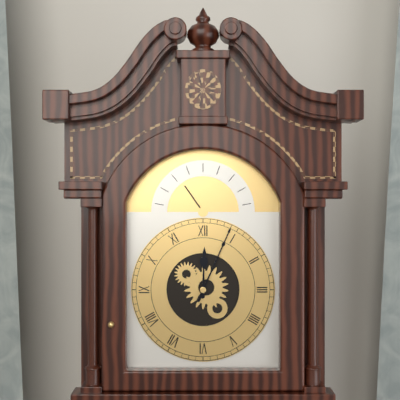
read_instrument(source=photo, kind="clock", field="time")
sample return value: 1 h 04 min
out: 12 h 04 min
